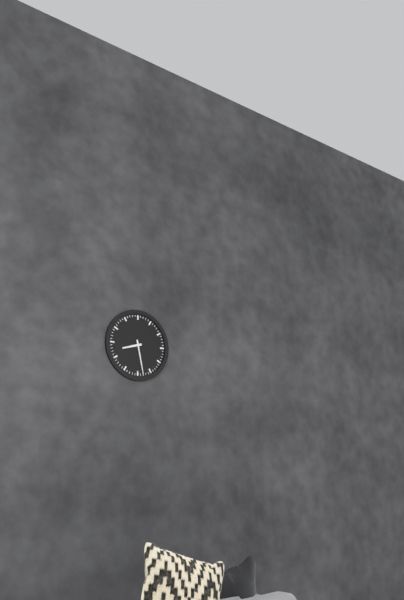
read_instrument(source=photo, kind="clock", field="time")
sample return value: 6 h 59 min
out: 8 h 28 min
